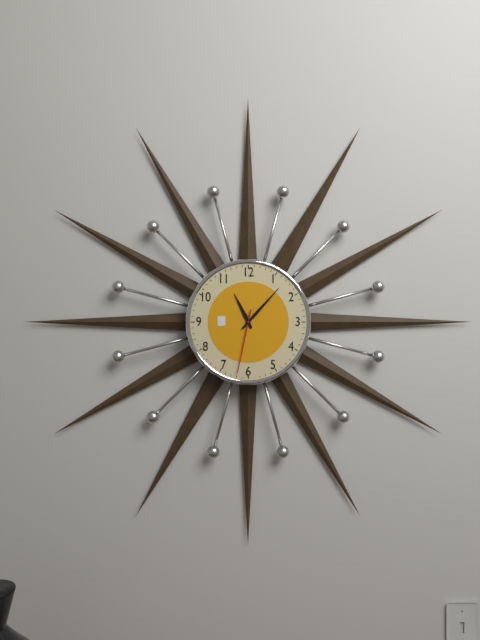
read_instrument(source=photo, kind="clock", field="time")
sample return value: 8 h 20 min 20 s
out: 11 h 07 min 32 s
